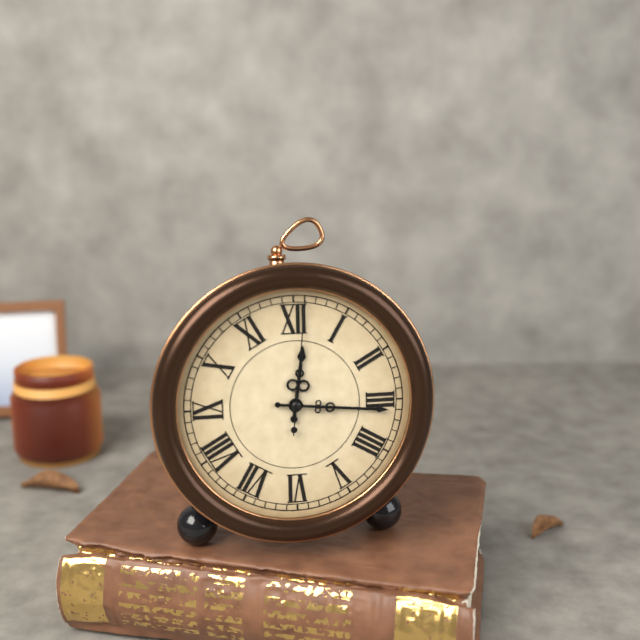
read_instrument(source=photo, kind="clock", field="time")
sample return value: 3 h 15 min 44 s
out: 12 h 16 min 01 s
